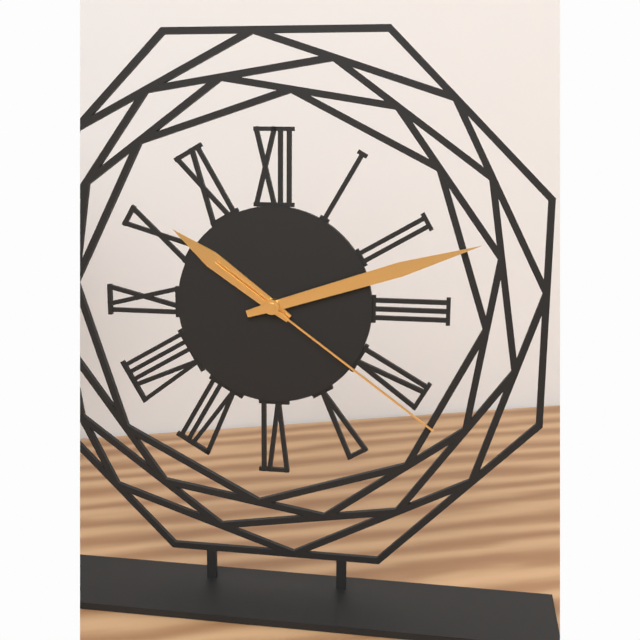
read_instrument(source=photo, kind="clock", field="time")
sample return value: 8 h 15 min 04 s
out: 10 h 12 min 21 s
